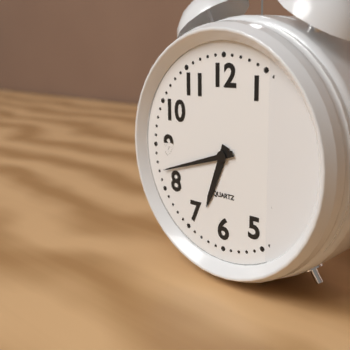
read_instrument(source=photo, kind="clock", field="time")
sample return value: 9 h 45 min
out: 6 h 42 min
